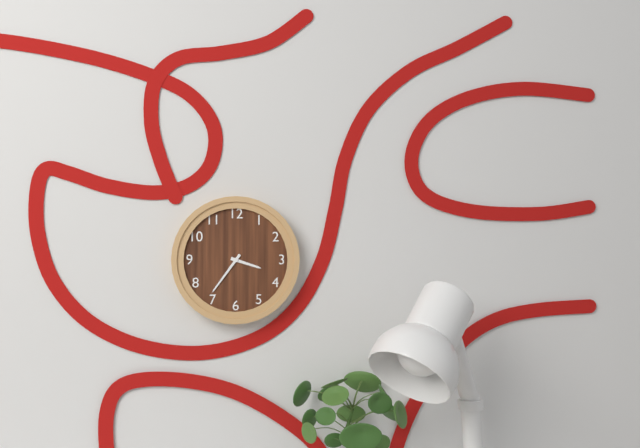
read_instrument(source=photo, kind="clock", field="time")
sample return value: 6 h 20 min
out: 3 h 36 min
